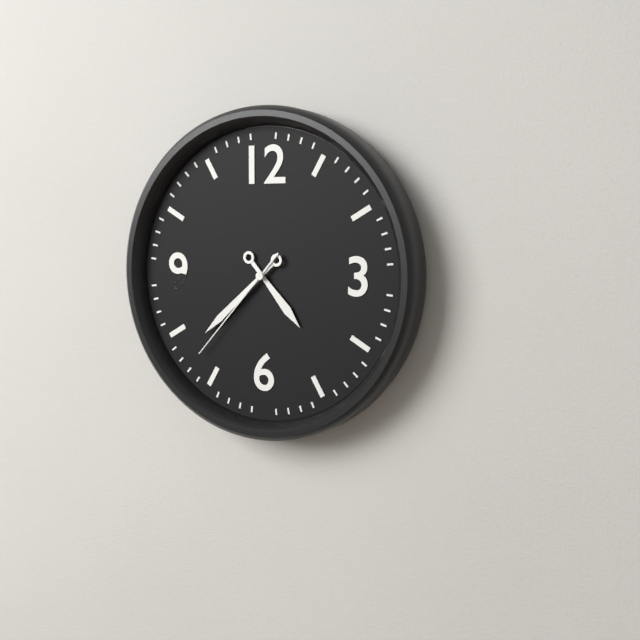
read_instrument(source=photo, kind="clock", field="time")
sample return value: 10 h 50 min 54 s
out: 4 h 38 min 37 s
